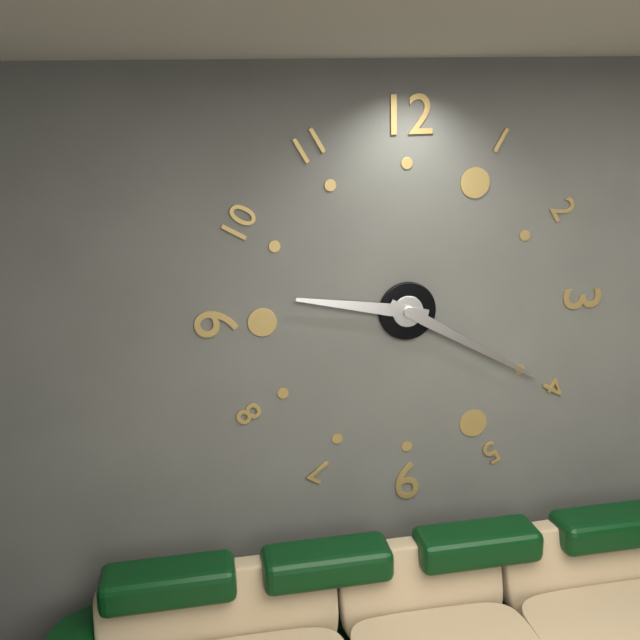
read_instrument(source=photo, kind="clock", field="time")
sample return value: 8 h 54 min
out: 9 h 20 min
